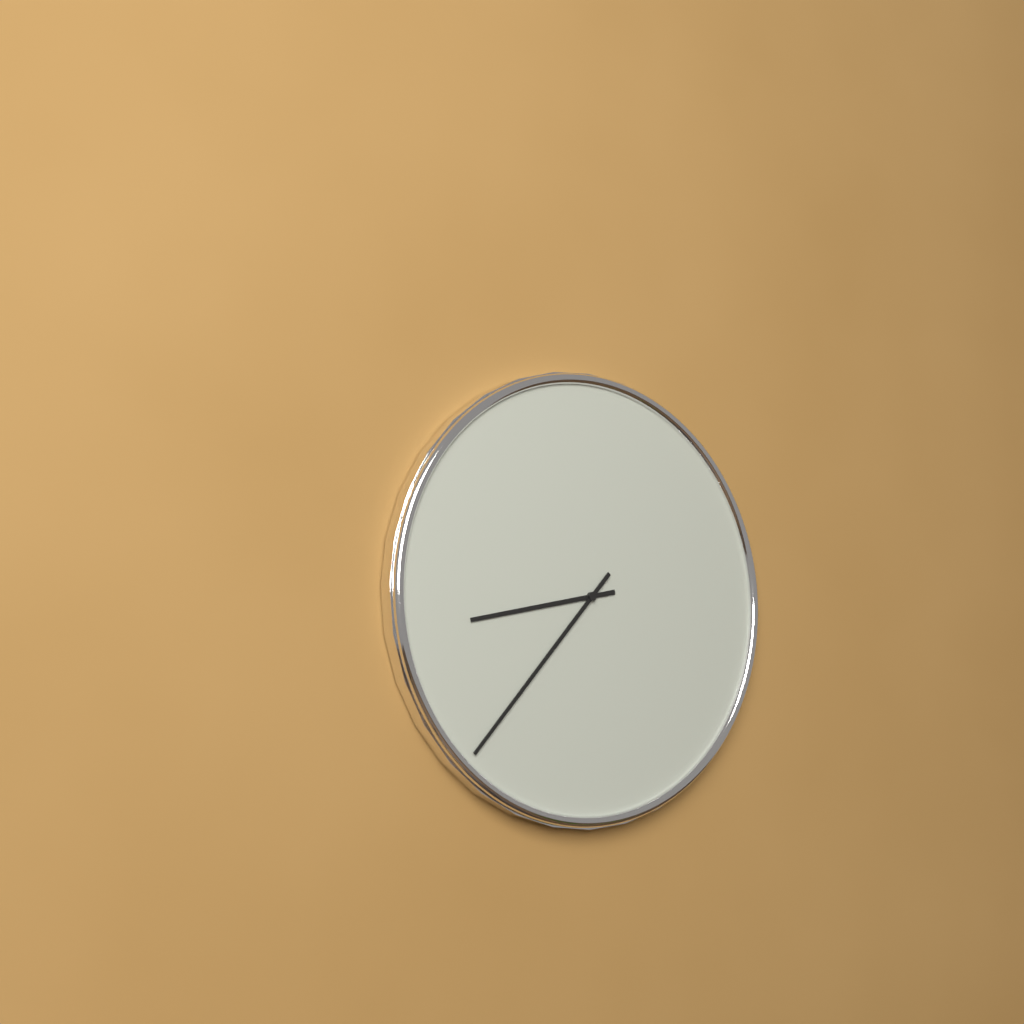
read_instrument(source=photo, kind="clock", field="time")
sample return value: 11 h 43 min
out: 8 h 37 min
